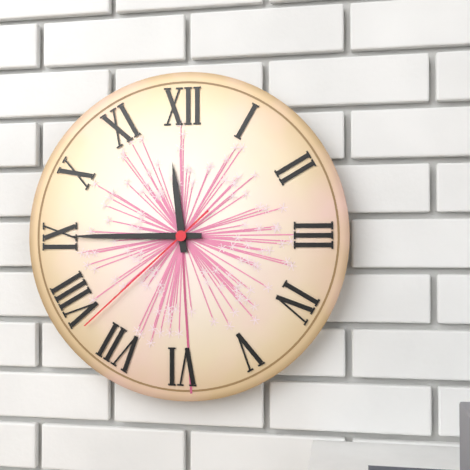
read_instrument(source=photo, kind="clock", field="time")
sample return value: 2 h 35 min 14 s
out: 11 h 45 min 38 s
